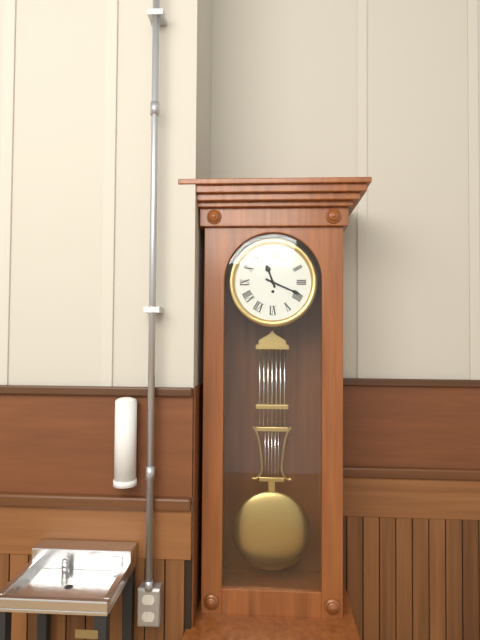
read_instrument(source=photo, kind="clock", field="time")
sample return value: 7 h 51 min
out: 11 h 19 min
